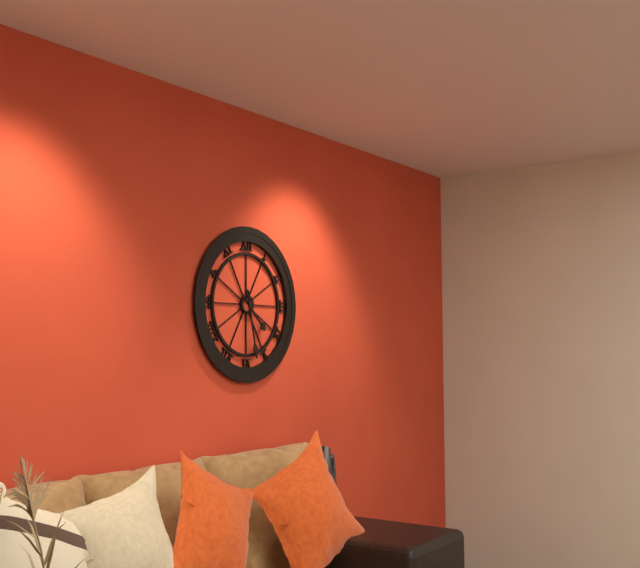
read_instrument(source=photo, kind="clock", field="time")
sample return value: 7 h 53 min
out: 4 h 28 min
